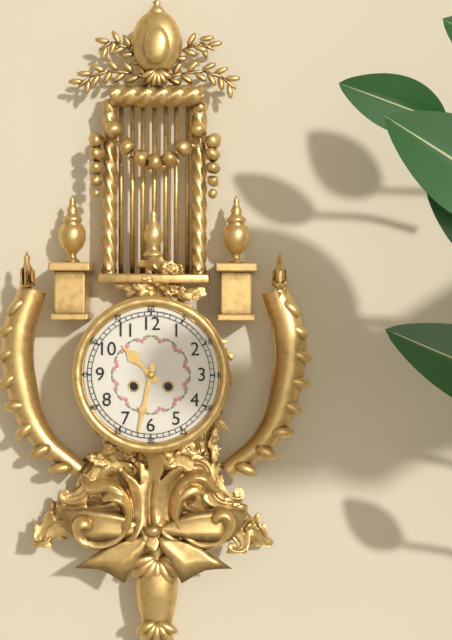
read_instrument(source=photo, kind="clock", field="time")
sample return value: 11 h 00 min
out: 10 h 32 min
